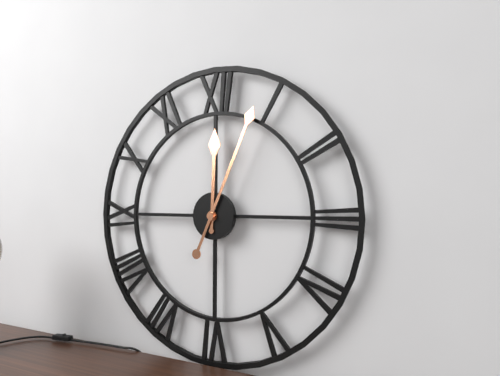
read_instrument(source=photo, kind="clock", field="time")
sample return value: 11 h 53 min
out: 12 h 04 min
